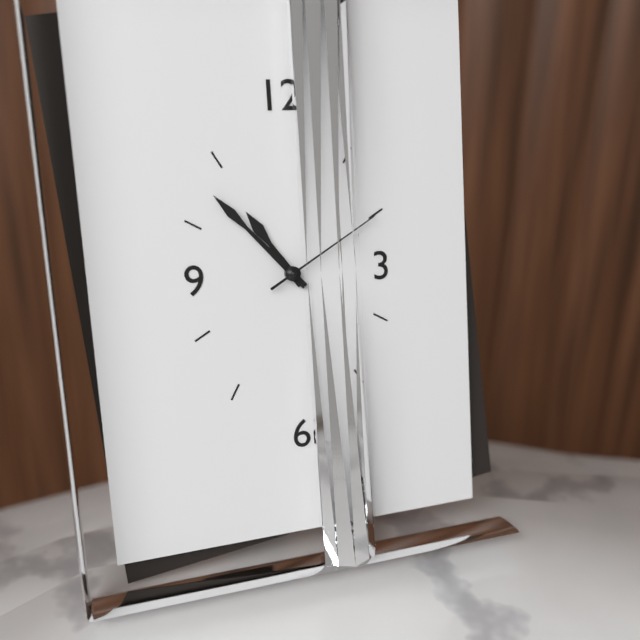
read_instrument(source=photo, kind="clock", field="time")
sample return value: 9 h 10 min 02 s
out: 10 h 53 min 10 s
